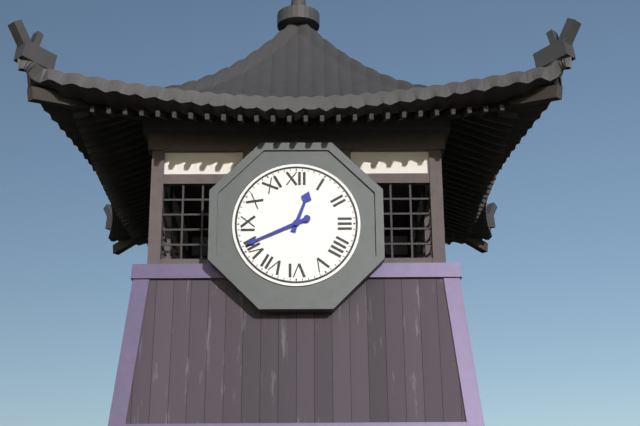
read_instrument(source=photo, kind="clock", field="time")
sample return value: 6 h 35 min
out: 12 h 41 min
